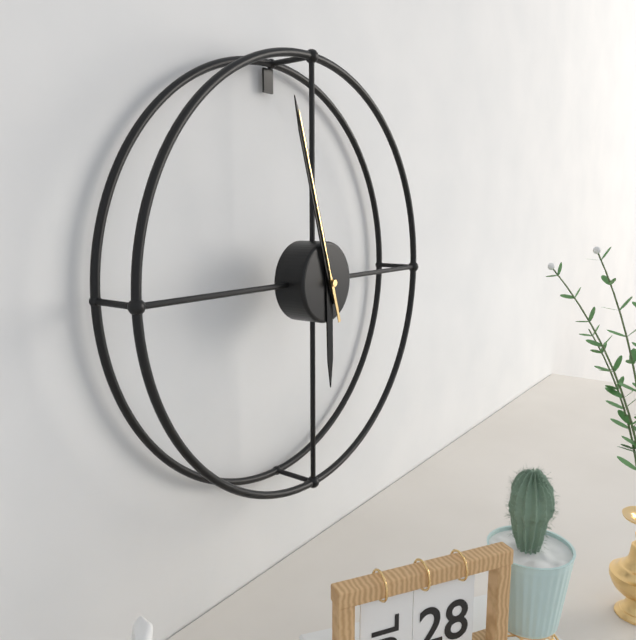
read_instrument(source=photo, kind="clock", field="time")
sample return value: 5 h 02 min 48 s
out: 5 h 57 min 57 s
